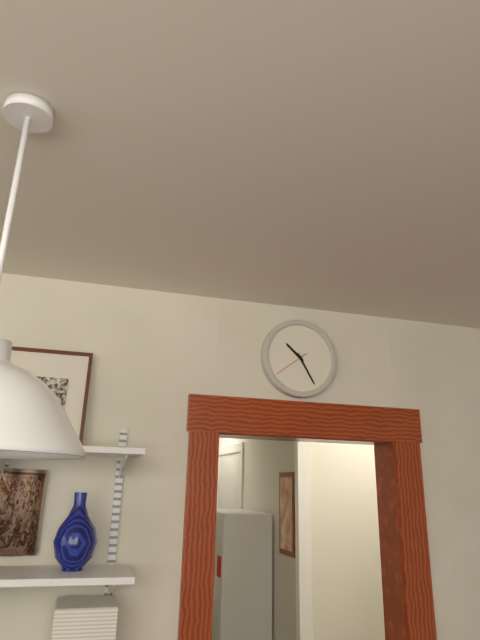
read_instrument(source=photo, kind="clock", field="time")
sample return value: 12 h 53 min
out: 10 h 25 min
